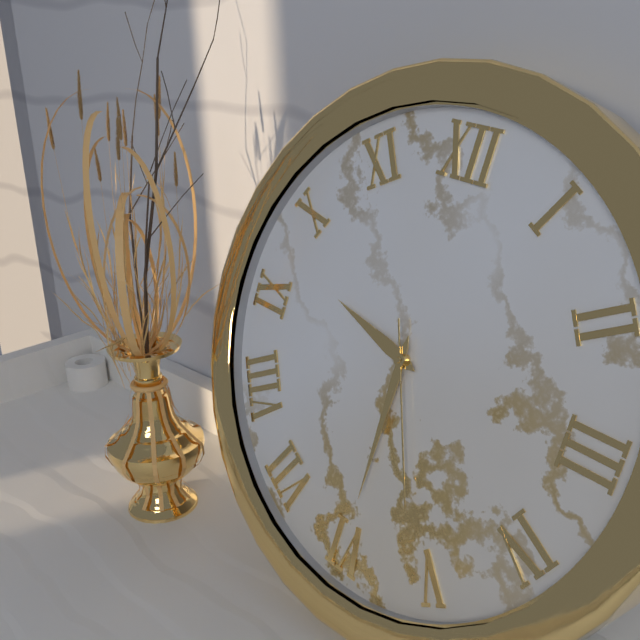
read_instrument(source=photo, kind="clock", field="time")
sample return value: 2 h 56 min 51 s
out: 9 h 30 min 26 s
